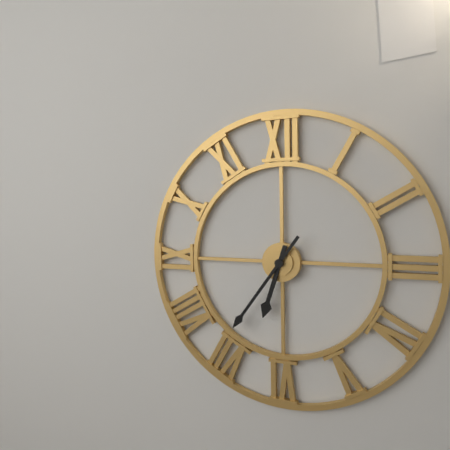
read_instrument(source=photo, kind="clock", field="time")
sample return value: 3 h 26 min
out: 6 h 36 min
